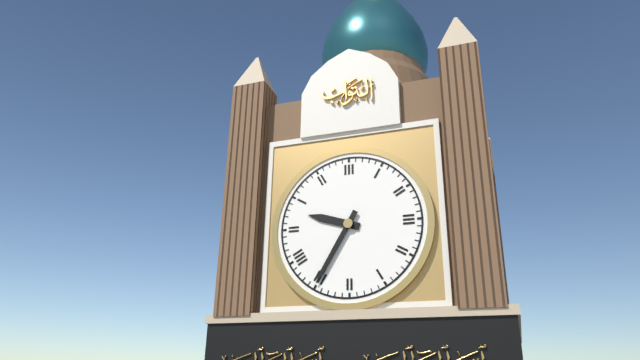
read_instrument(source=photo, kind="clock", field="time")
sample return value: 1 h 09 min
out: 9 h 35 min
